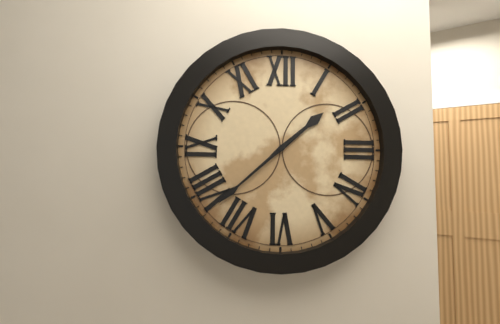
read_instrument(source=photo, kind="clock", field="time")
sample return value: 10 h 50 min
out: 1 h 38 min
